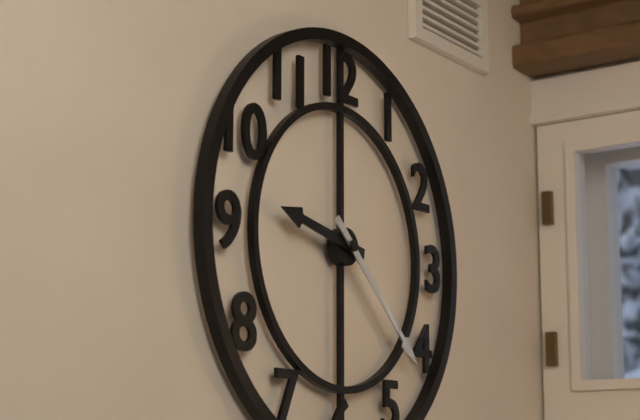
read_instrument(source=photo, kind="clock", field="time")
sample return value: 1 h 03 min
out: 9 h 22 min
